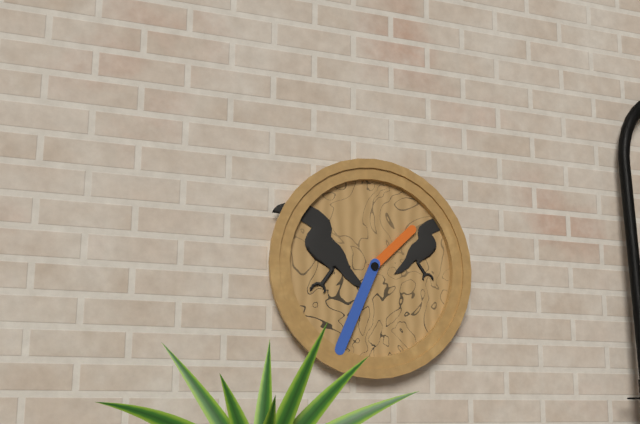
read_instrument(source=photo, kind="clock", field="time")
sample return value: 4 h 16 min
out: 1 h 34 min
